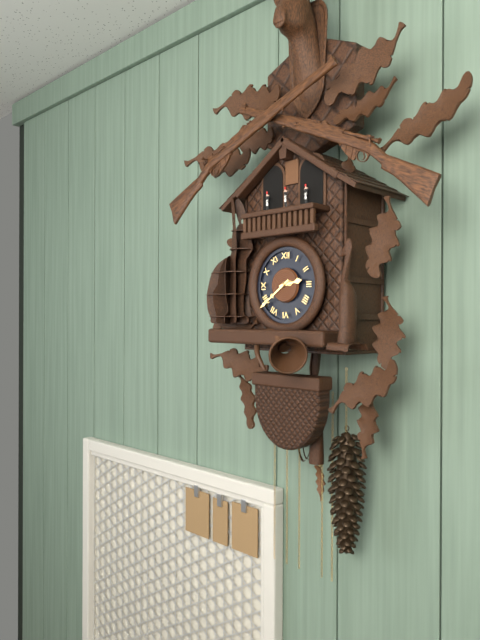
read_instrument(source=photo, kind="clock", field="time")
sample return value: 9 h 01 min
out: 2 h 39 min
